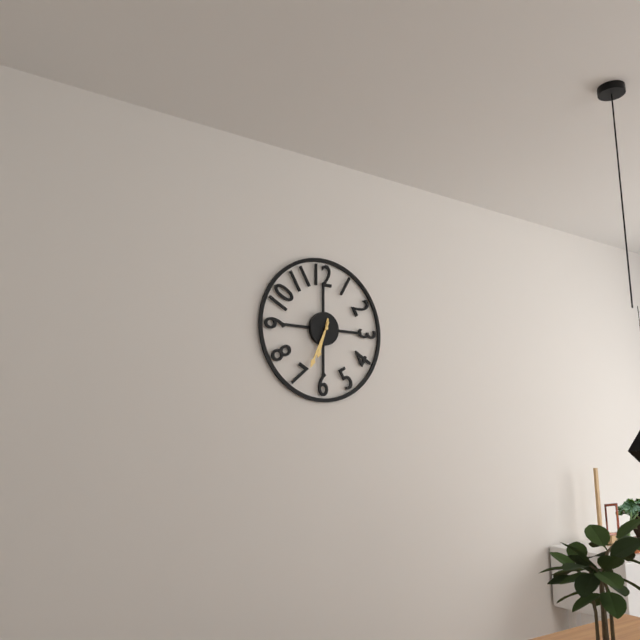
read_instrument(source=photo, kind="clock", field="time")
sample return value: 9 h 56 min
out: 6 h 34 min
